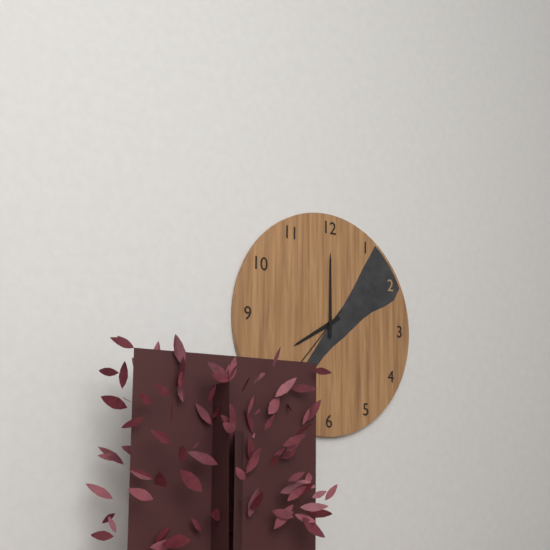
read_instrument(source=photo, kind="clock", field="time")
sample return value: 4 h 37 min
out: 8 h 00 min
